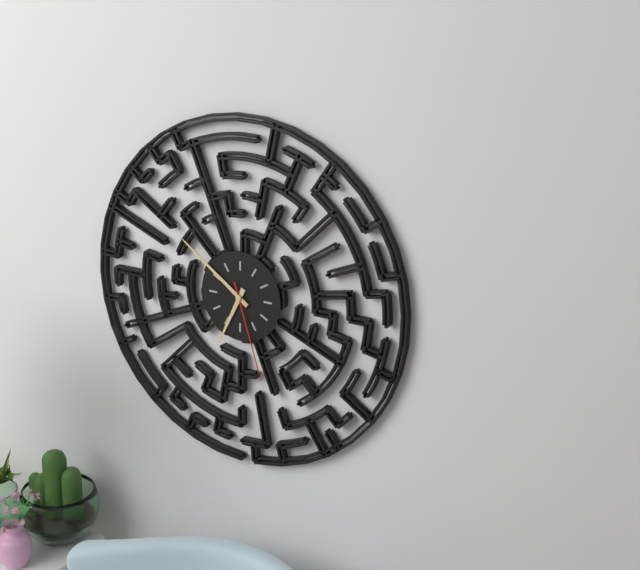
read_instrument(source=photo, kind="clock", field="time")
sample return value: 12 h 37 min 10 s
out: 6 h 51 min 27 s
